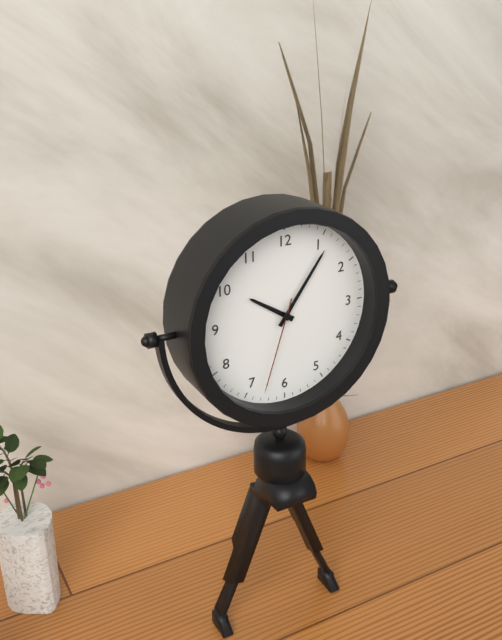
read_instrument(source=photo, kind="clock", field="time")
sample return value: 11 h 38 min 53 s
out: 10 h 06 min 33 s
